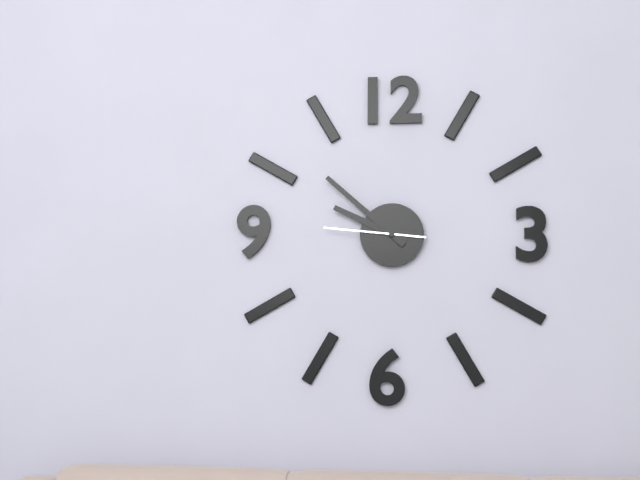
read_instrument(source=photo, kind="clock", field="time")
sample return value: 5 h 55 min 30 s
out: 9 h 52 min 46 s
